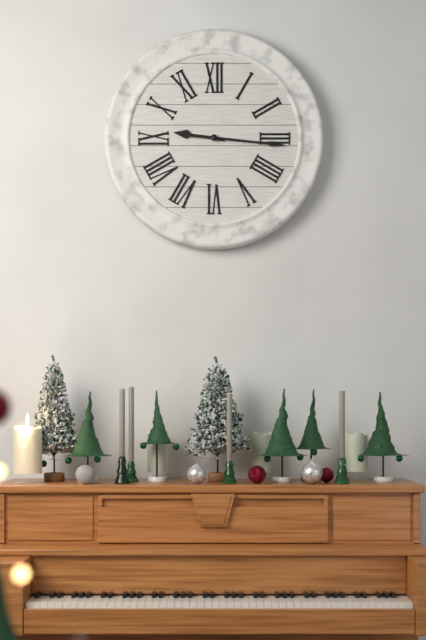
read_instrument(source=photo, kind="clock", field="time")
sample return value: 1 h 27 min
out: 9 h 16 min
